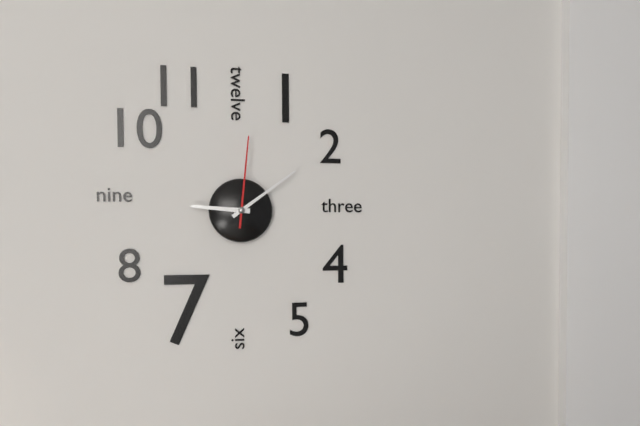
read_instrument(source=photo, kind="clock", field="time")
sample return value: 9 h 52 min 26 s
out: 9 h 09 min 01 s
